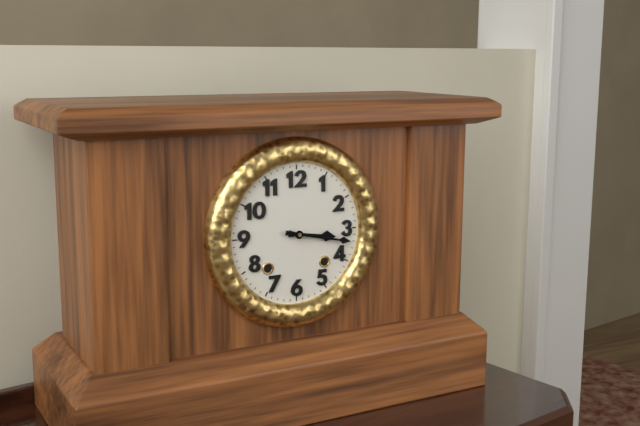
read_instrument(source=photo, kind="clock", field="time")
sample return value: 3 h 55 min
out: 3 h 17 min
